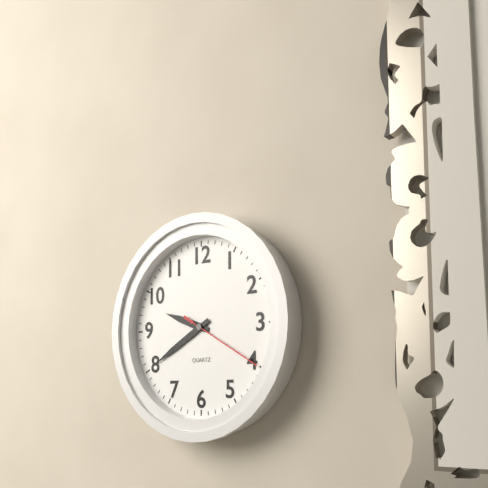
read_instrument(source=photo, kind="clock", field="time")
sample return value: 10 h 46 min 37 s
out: 9 h 40 min 20 s
